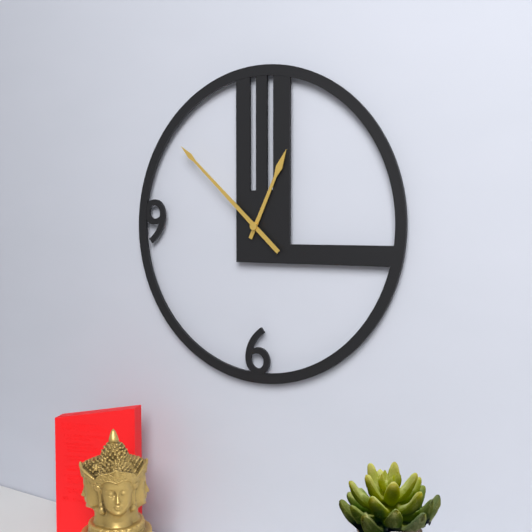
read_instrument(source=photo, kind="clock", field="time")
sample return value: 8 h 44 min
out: 12 h 52 min
